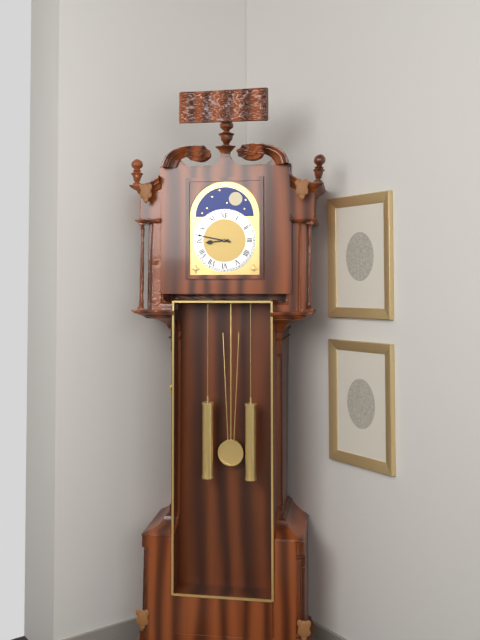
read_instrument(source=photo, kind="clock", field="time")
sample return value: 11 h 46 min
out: 8 h 47 min
